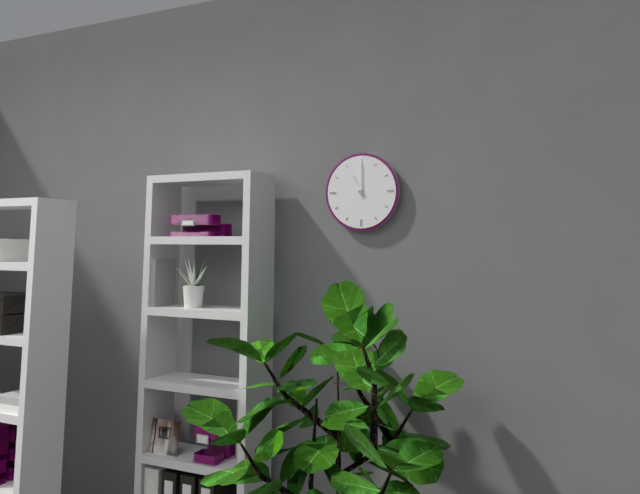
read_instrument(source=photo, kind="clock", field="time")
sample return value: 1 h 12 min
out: 11 h 00 min
